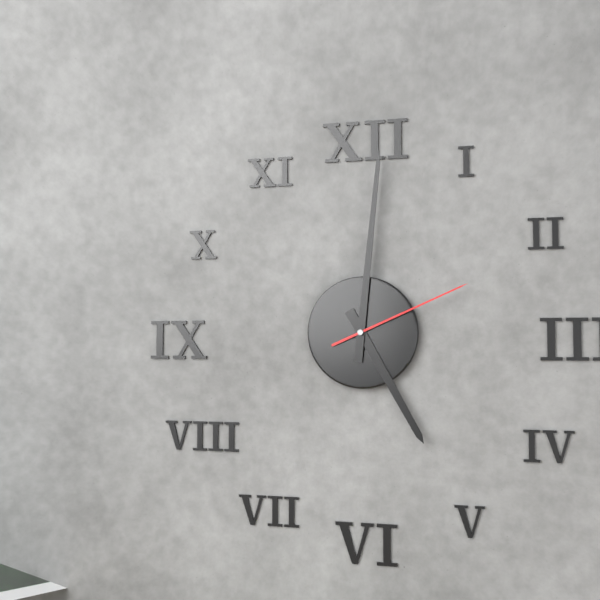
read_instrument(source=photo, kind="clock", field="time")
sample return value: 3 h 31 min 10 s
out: 5 h 01 min 11 s
